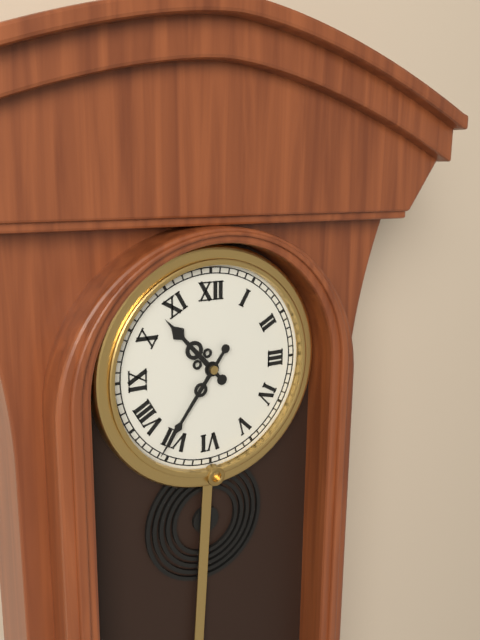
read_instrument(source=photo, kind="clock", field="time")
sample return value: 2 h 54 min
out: 10 h 36 min
